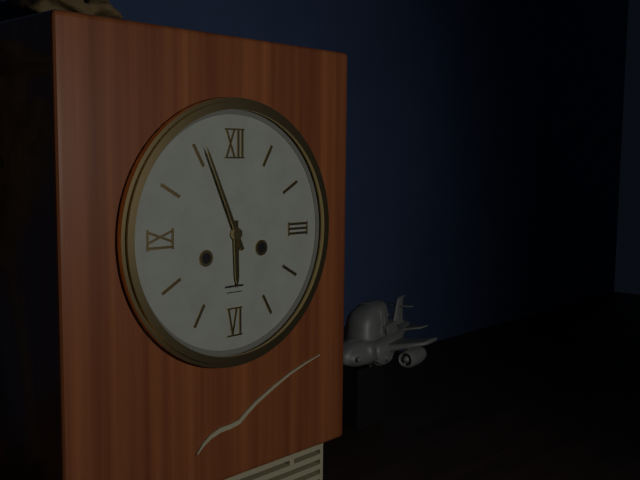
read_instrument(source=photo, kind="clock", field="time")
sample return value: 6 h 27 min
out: 5 h 56 min
